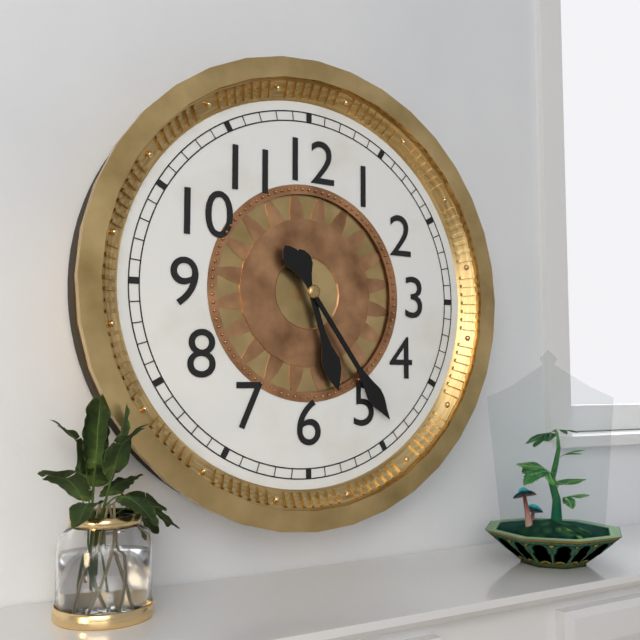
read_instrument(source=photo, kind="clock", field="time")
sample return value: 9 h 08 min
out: 5 h 24 min
